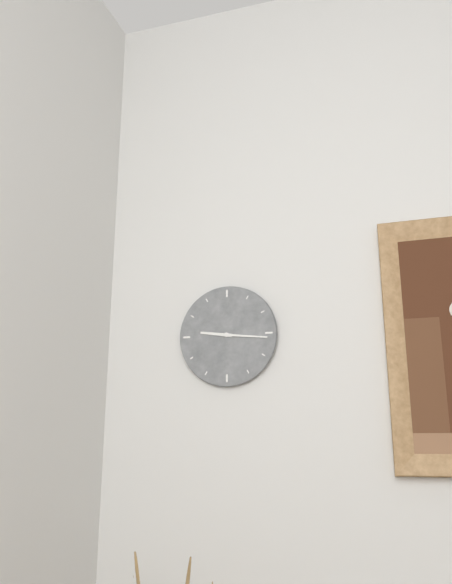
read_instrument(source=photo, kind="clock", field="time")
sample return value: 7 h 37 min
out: 9 h 16 min
